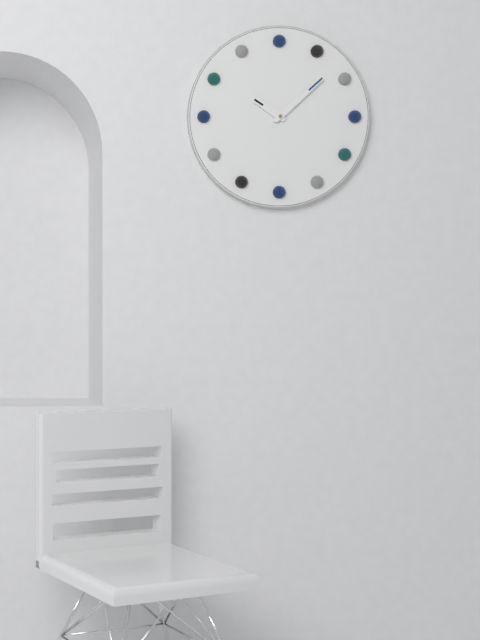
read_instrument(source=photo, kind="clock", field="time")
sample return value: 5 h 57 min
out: 10 h 08 min
